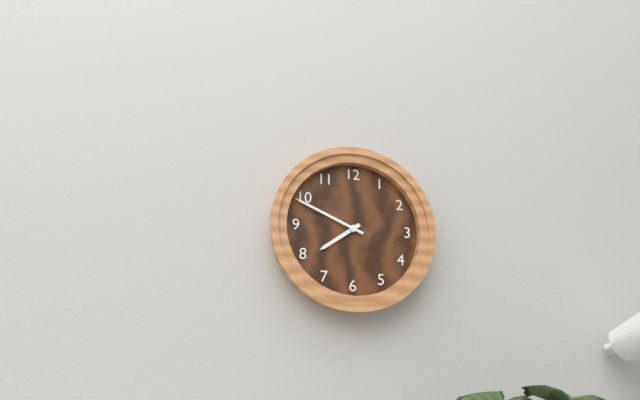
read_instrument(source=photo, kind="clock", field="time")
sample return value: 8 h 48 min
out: 7 h 49 min
